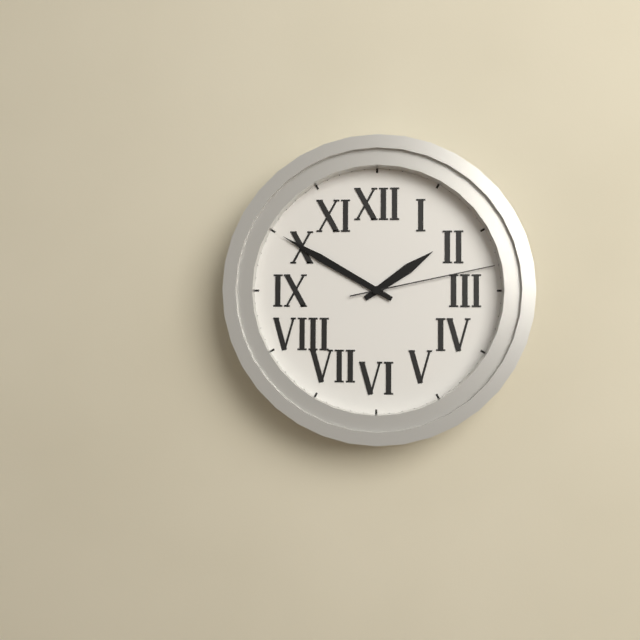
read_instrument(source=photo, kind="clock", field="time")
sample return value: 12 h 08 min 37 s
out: 1 h 50 min 13 s
